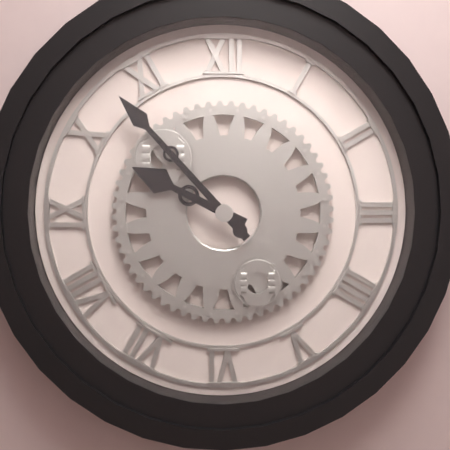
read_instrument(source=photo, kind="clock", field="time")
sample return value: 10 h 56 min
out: 9 h 53 min
